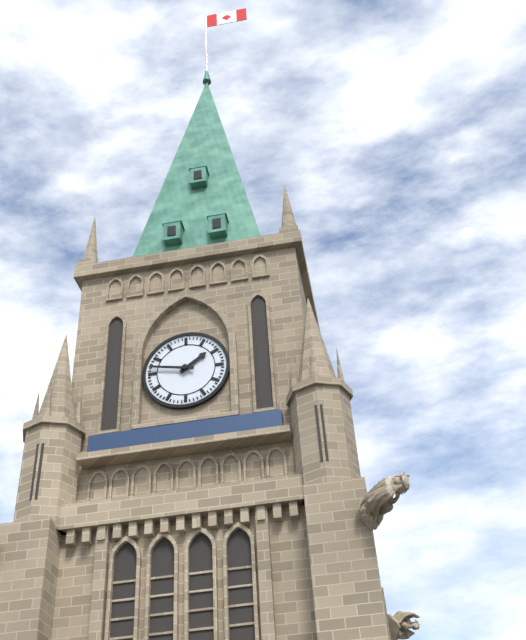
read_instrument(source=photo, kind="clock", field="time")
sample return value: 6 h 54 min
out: 1 h 47 min
